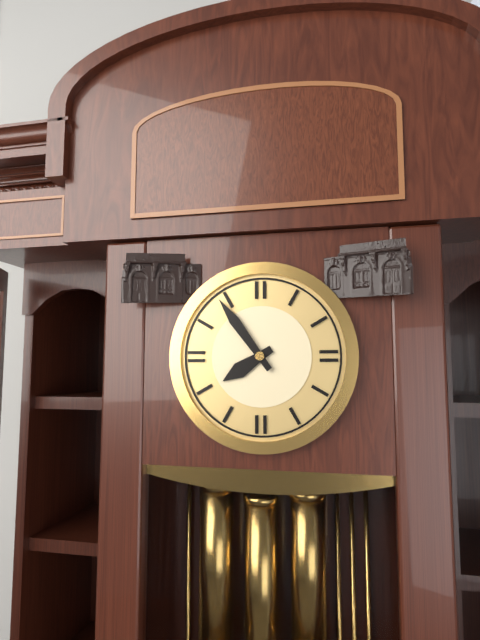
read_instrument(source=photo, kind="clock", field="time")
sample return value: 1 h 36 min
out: 7 h 54 min
